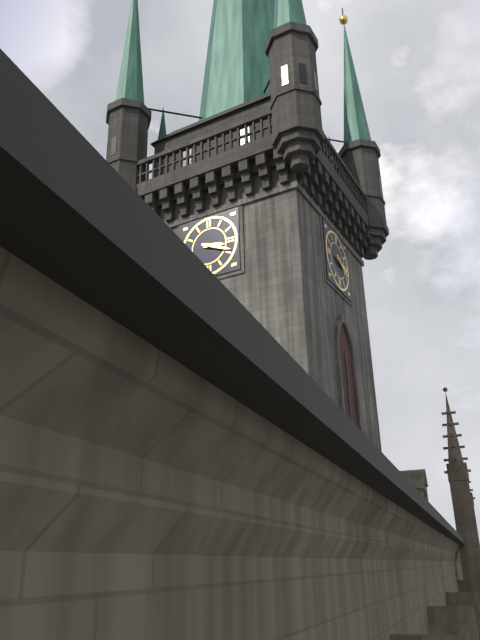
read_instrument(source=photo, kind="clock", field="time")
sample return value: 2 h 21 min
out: 3 h 19 min
